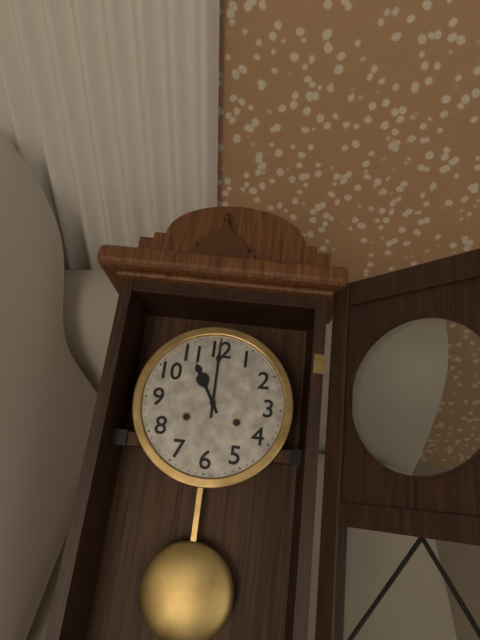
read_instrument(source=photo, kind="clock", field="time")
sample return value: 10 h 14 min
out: 11 h 00 min
